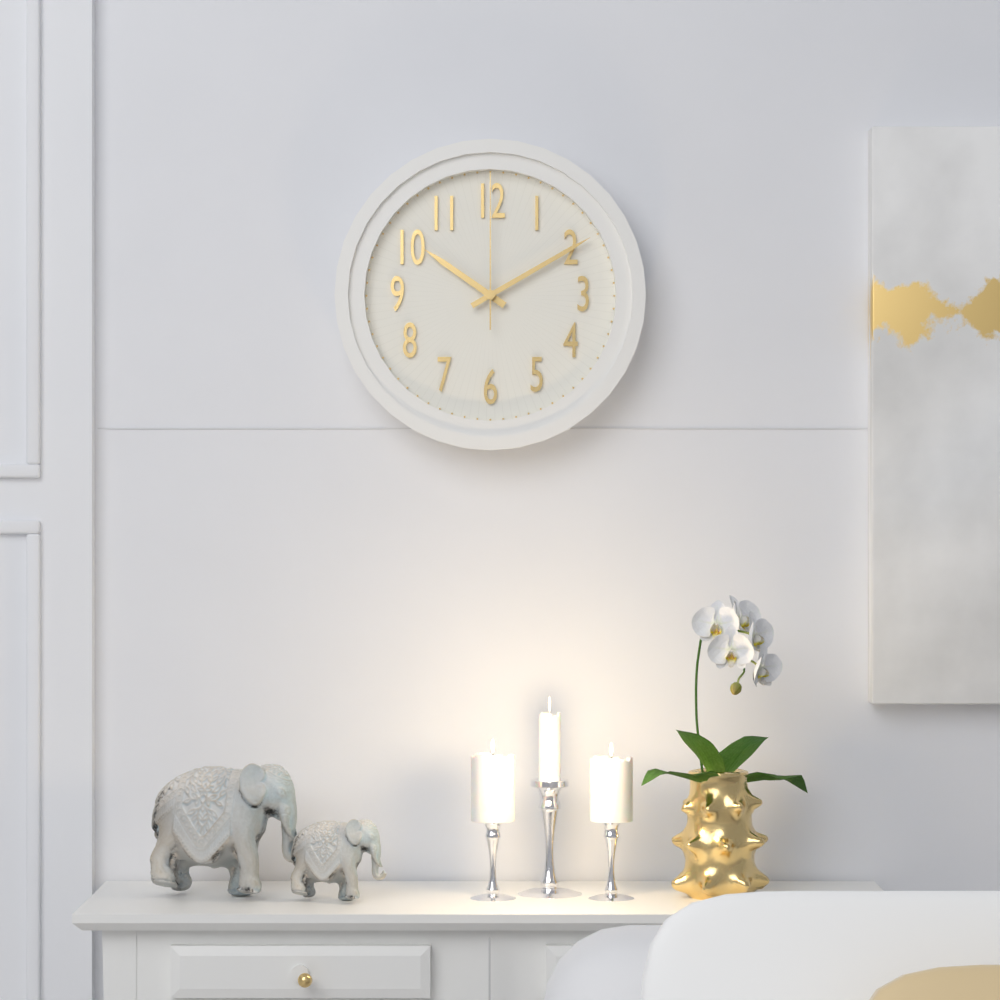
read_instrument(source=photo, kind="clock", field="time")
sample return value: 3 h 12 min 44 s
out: 10 h 10 min 00 s
